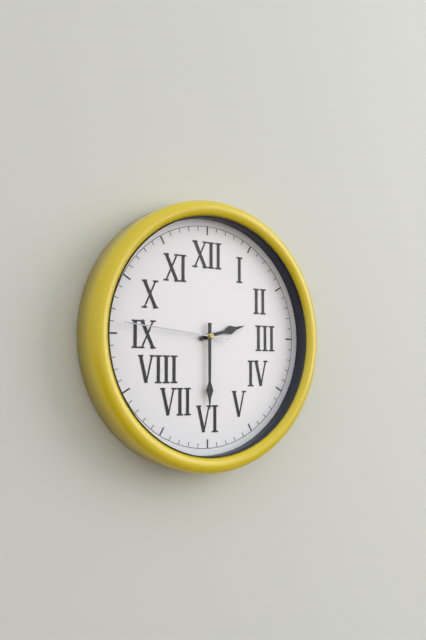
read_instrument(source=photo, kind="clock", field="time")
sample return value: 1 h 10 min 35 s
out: 2 h 30 min 46 s
